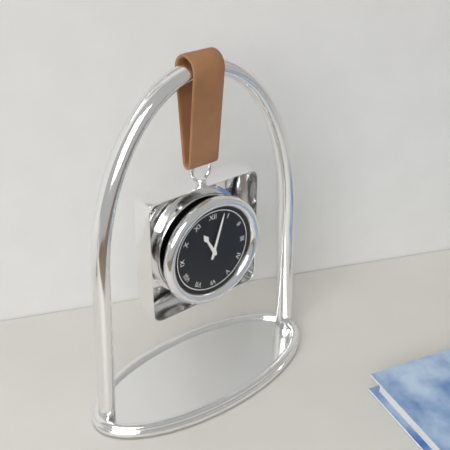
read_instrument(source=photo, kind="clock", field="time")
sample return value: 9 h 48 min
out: 11 h 03 min
